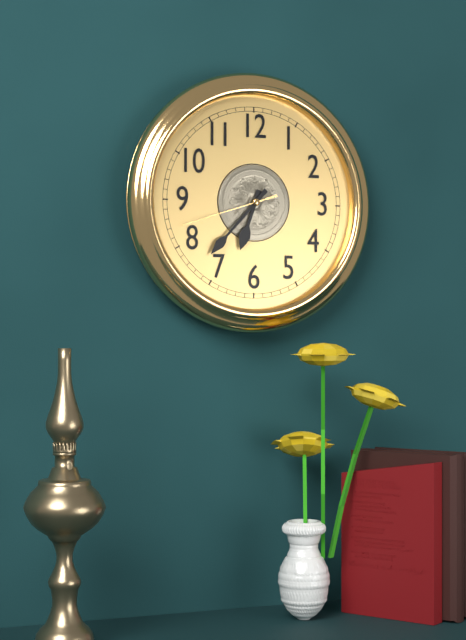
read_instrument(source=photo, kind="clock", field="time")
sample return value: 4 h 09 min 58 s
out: 6 h 37 min 42 s
